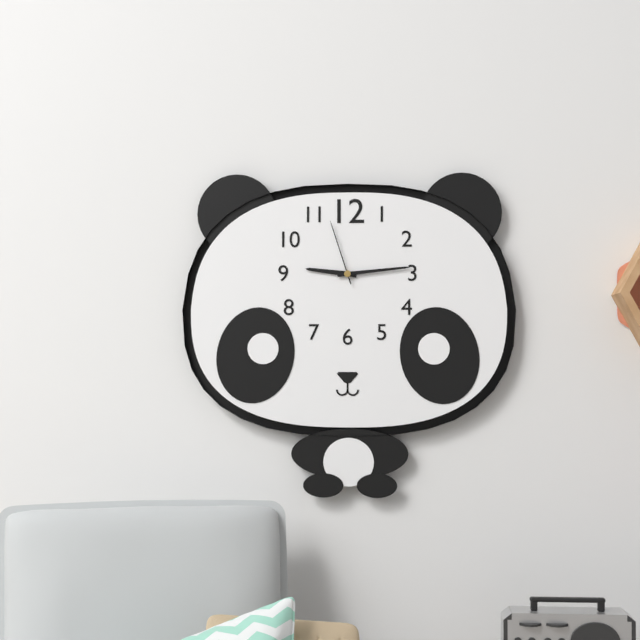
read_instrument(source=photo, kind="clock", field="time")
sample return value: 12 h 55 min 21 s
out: 9 h 14 min 57 s
